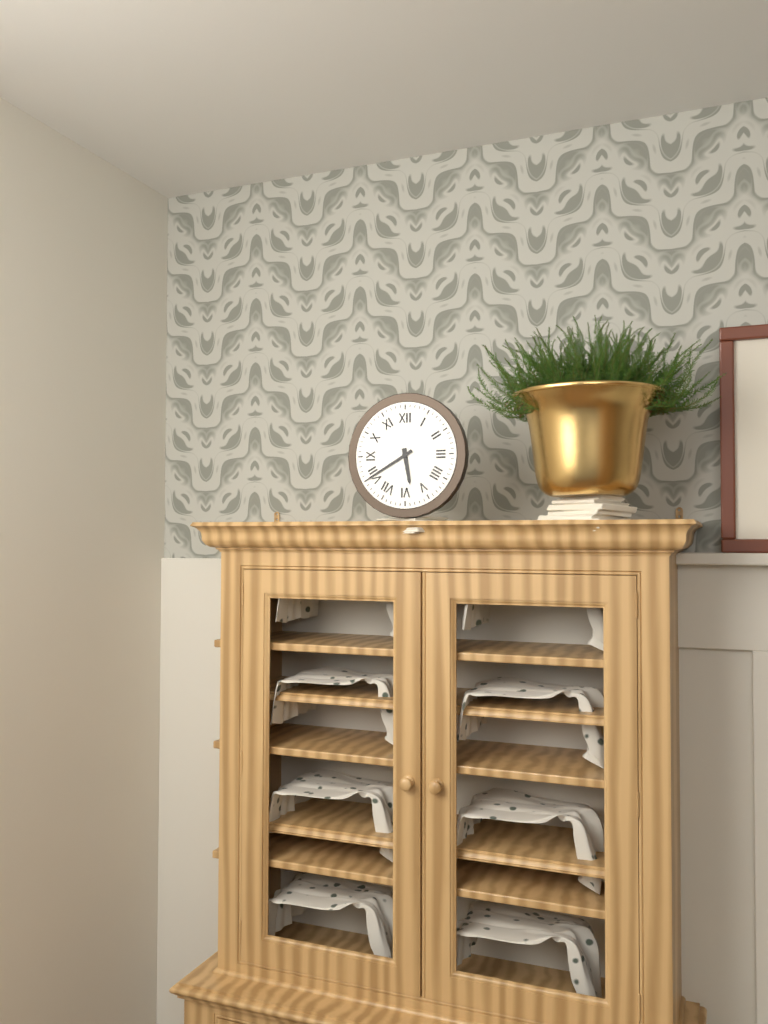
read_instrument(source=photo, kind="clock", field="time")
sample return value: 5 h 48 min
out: 5 h 40 min
